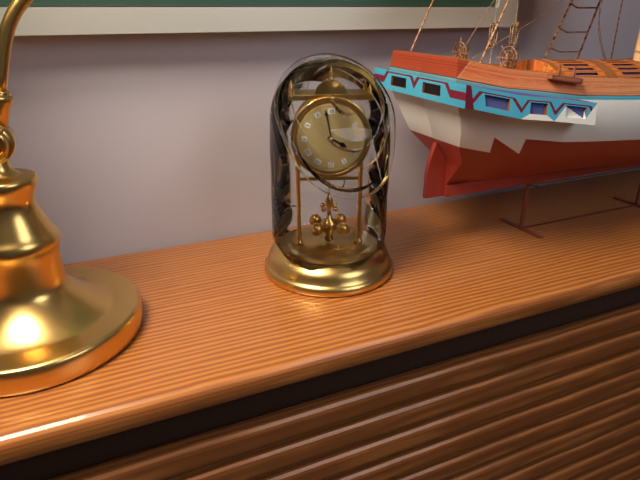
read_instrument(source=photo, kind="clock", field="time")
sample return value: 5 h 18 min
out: 3 h 58 min
